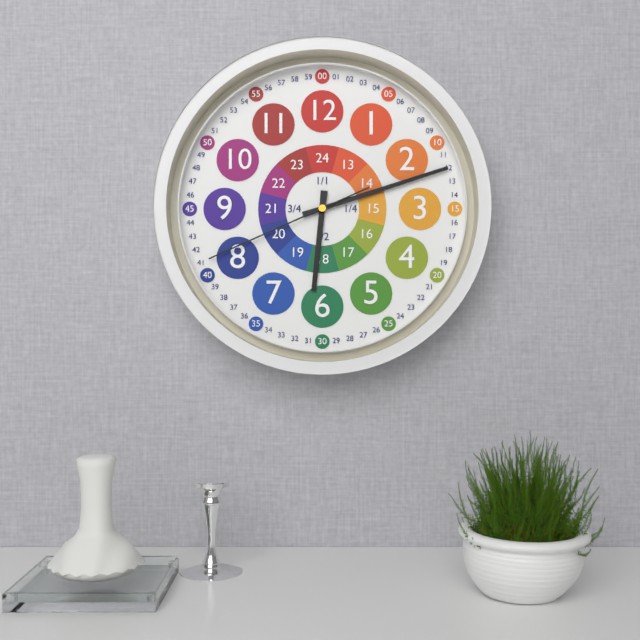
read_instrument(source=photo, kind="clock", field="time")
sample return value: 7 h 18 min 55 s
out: 6 h 12 min 41 s
